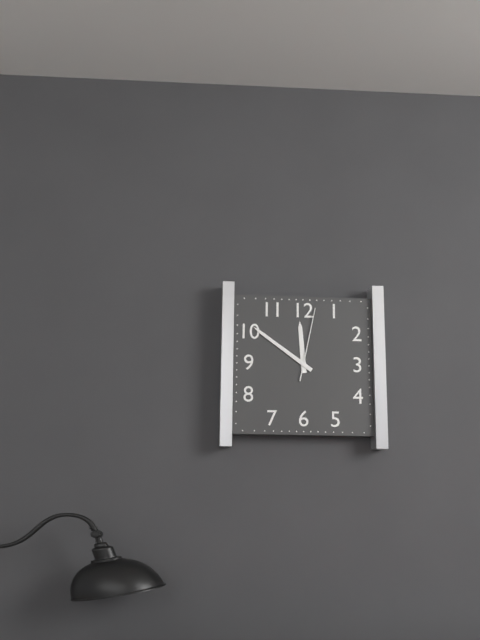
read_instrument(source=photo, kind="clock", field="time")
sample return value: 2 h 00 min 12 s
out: 11 h 51 min 02 s
